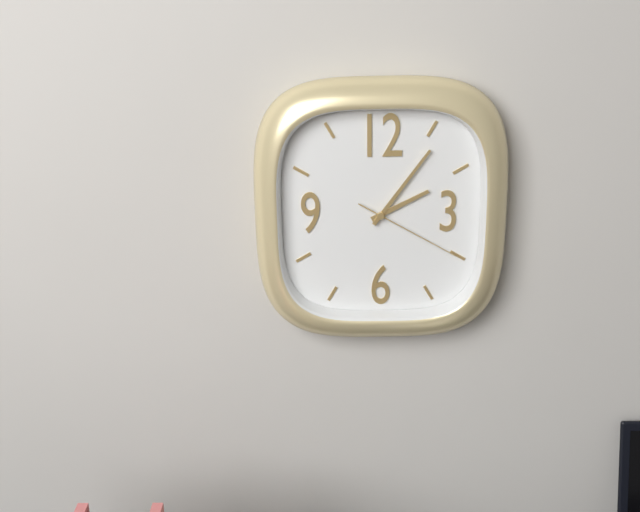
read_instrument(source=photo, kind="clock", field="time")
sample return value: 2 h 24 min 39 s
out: 2 h 06 min 20 s
